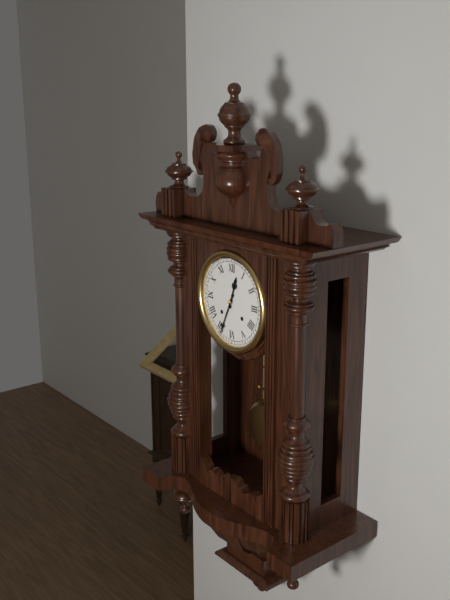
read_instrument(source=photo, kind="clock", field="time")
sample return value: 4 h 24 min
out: 12 h 34 min
